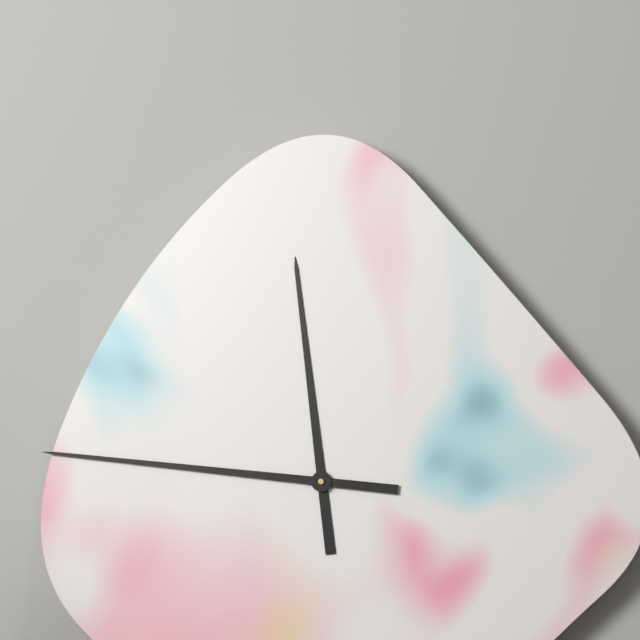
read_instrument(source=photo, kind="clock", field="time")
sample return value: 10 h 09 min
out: 11 h 46 min
